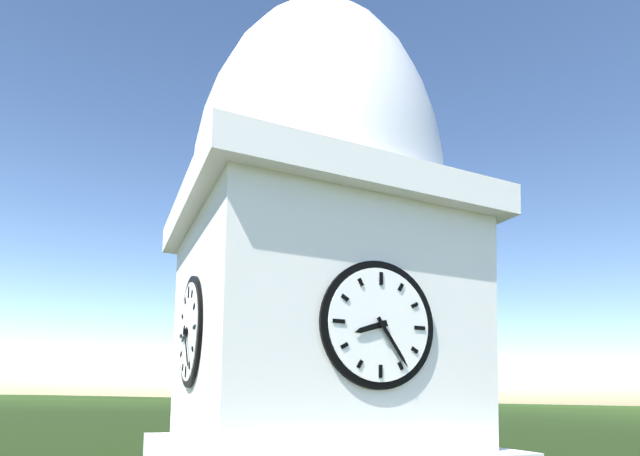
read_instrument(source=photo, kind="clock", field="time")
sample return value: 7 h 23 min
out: 8 h 24 min
